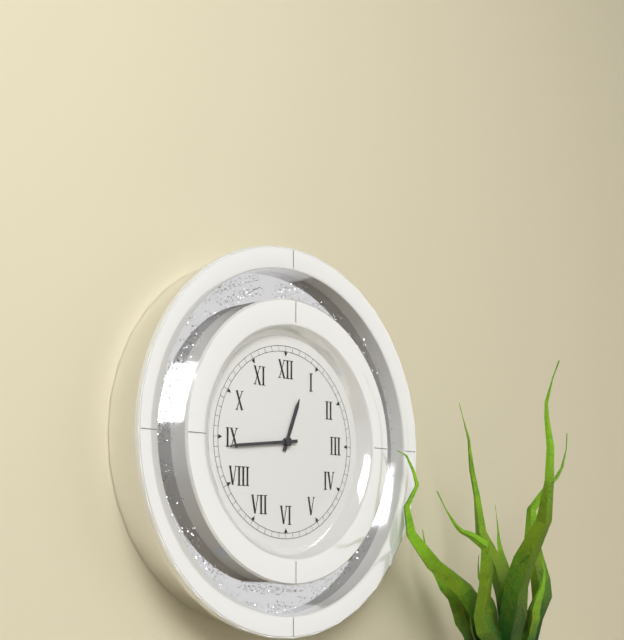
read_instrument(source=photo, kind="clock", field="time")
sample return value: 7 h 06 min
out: 12 h 44 min
